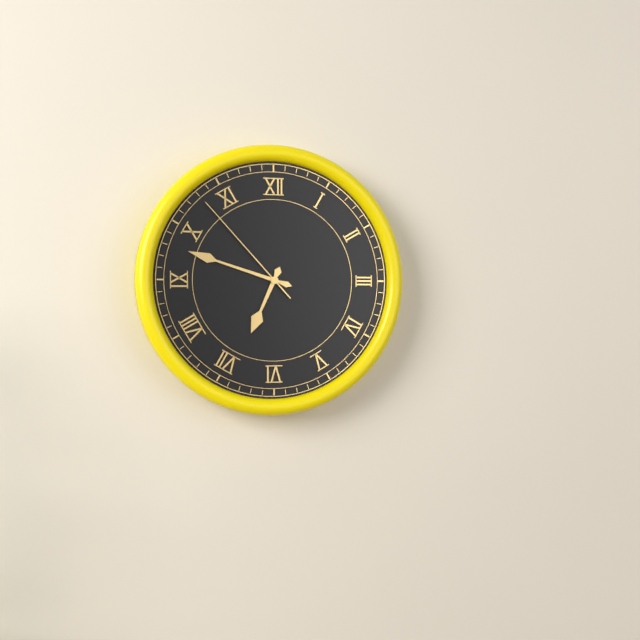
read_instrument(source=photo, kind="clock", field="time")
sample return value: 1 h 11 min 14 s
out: 6 h 48 min 53 s
